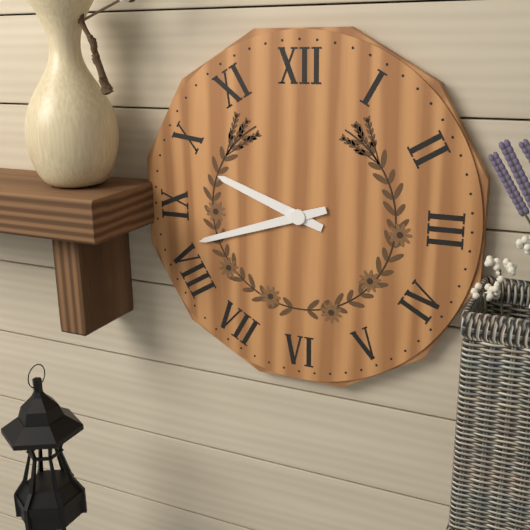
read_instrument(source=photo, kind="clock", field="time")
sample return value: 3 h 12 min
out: 9 h 42 min
